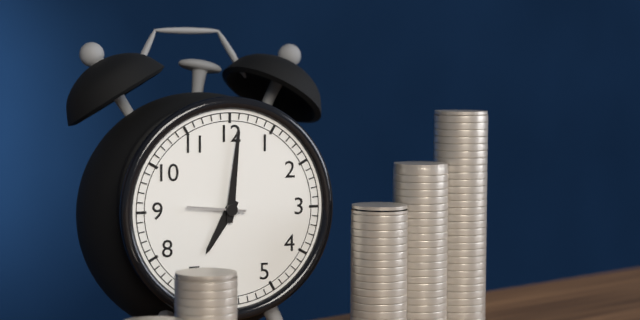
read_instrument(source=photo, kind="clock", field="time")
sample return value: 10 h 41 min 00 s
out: 7 h 01 min 46 s
